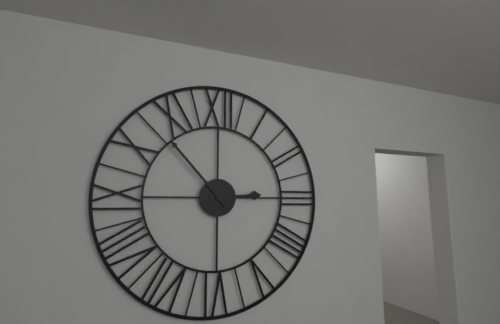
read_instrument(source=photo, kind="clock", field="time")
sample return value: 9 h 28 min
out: 2 h 53 min
